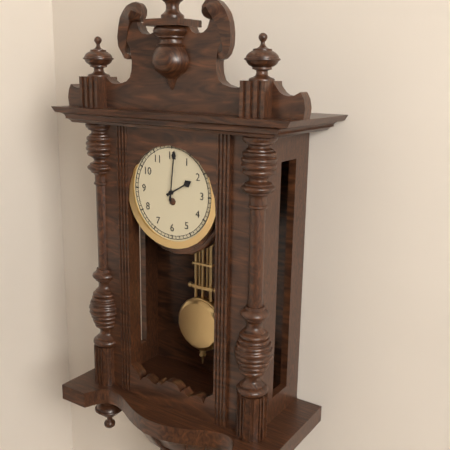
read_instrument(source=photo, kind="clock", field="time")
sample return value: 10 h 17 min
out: 2 h 01 min
